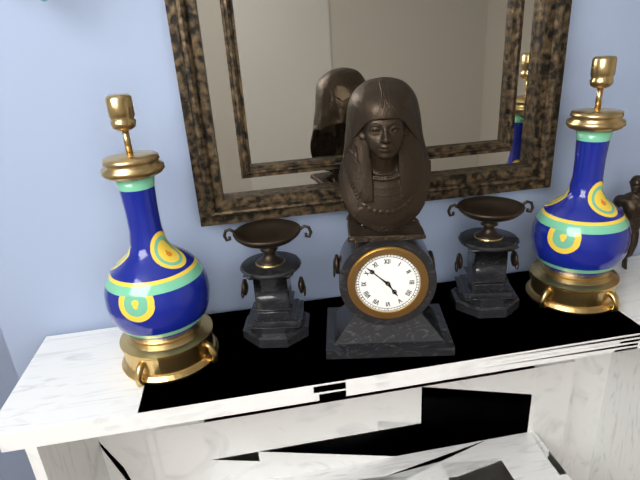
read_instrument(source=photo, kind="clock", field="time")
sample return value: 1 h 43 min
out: 4 h 52 min
